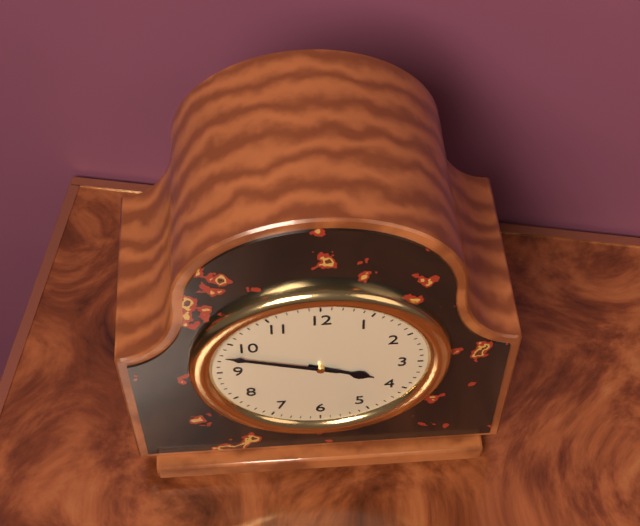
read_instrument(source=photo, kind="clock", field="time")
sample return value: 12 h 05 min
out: 3 h 48 min
